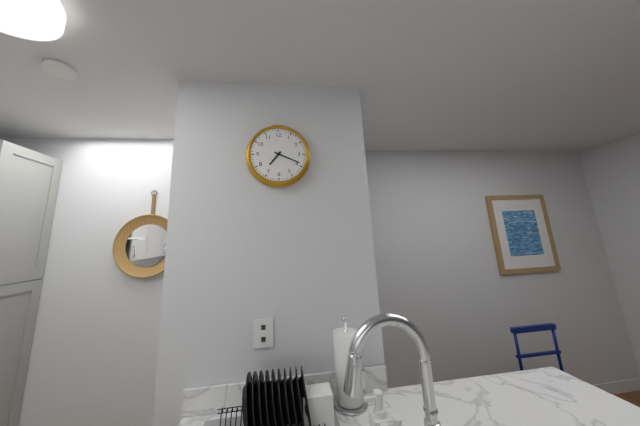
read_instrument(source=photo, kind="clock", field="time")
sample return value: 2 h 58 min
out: 7 h 19 min
